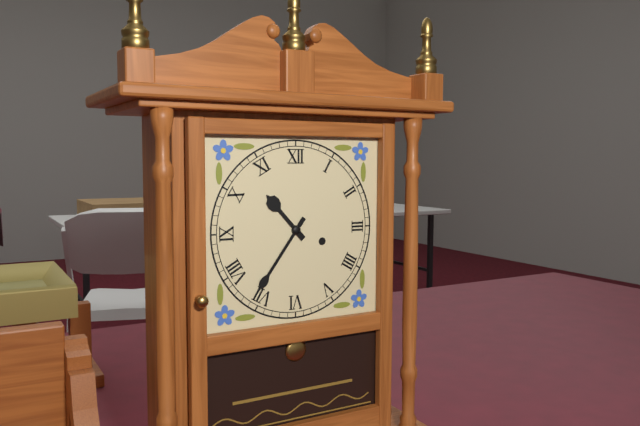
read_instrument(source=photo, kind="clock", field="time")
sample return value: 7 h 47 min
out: 10 h 36 min
